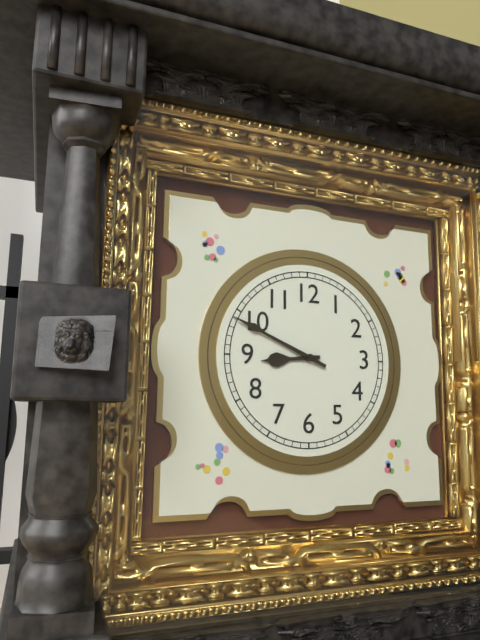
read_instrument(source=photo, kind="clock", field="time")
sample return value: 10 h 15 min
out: 8 h 49 min
